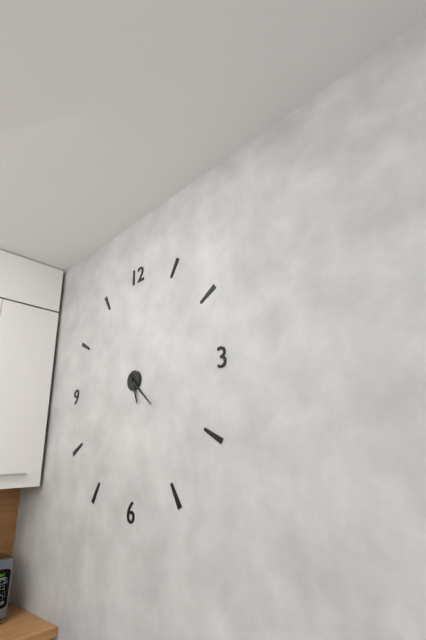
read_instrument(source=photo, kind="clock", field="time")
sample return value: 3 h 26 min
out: 5 h 22 min
